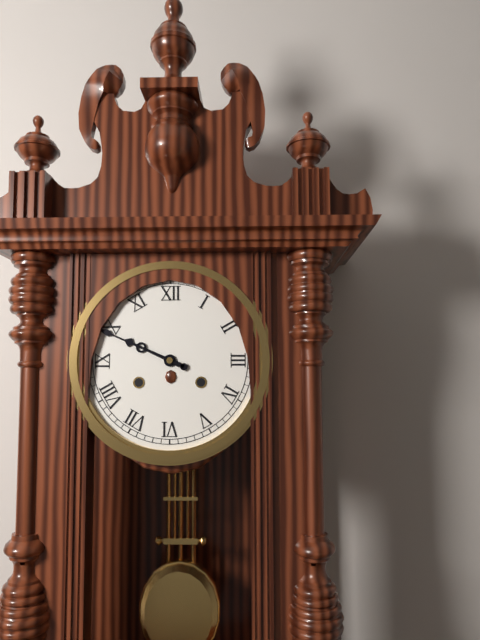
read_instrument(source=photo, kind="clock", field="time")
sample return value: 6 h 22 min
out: 9 h 49 min
